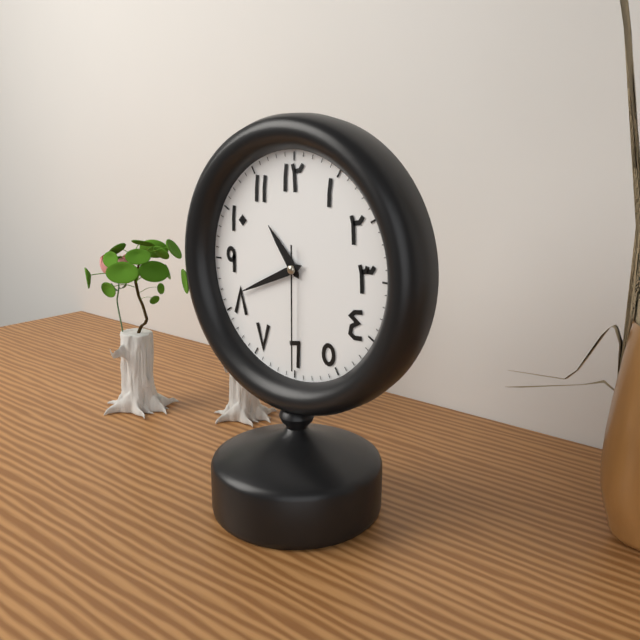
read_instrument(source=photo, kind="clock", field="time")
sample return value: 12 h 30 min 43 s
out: 10 h 41 min 30 s
